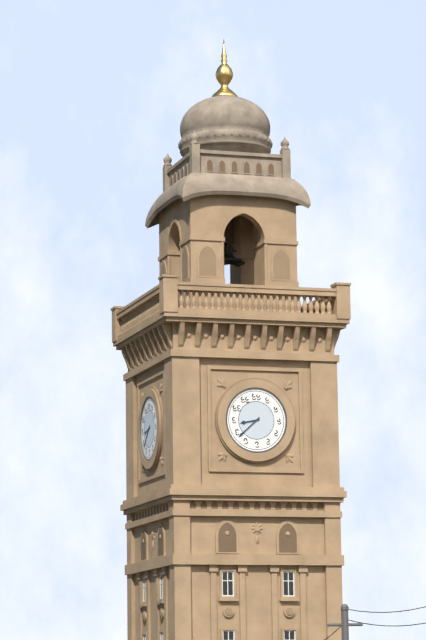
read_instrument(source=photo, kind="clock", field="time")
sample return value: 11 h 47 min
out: 8 h 38 min
